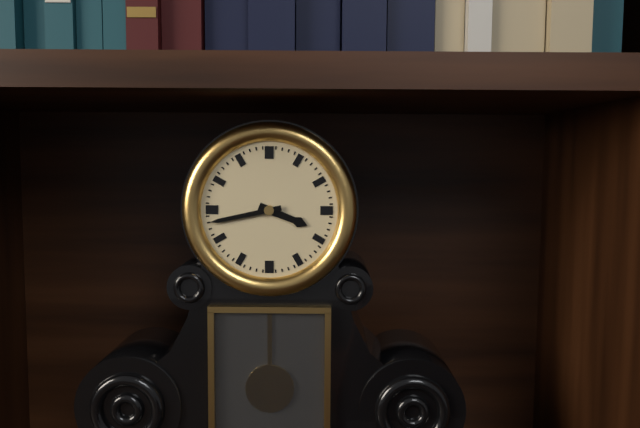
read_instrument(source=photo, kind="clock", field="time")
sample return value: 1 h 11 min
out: 3 h 43 min
